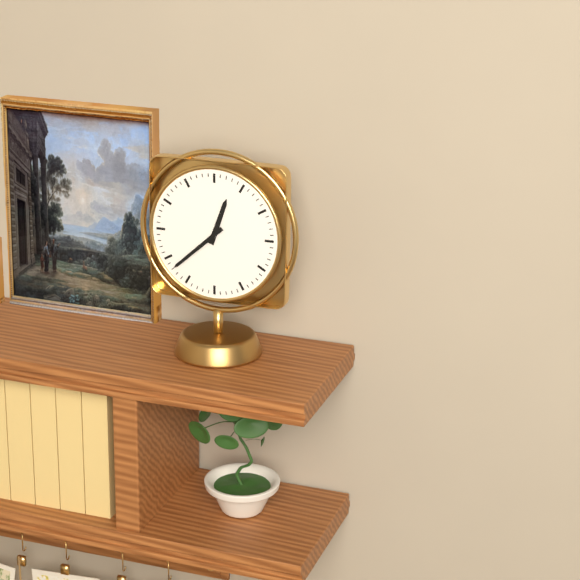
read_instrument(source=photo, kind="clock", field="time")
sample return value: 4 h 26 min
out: 12 h 38 min
